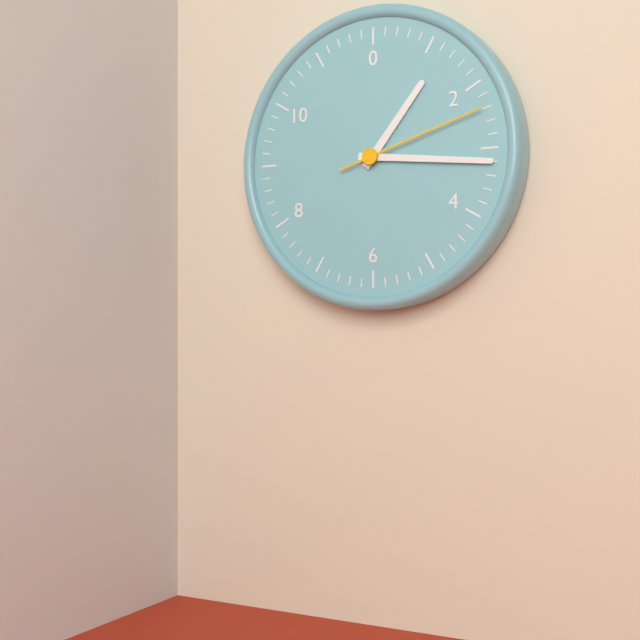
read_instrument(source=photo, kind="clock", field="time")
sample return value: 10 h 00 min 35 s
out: 1 h 16 min 12 s
